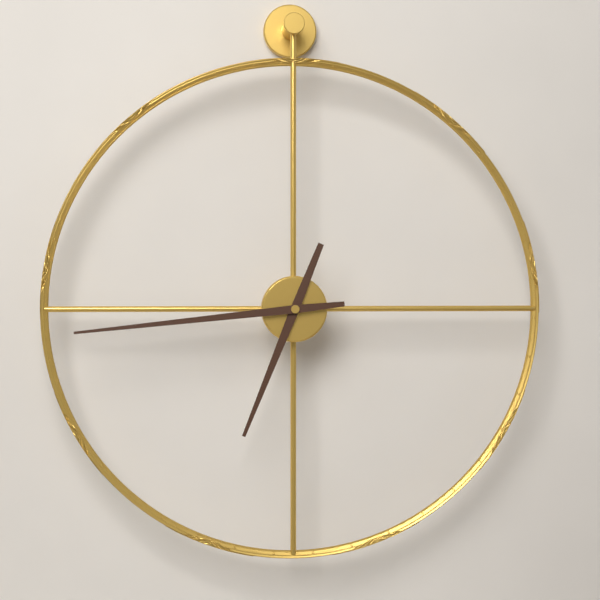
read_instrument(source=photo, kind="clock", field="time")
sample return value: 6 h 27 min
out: 6 h 44 min
